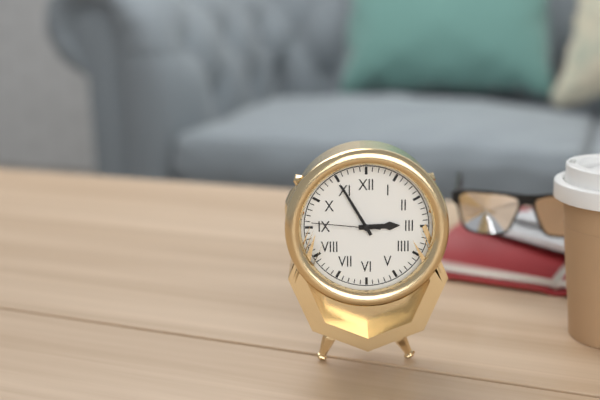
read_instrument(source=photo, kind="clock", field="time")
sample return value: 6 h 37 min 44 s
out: 2 h 55 min 46 s
